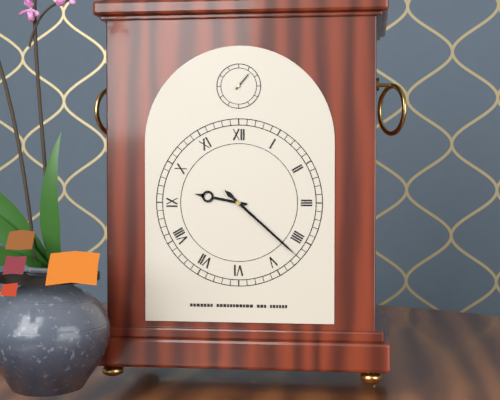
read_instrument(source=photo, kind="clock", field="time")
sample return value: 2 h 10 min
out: 9 h 22 min
